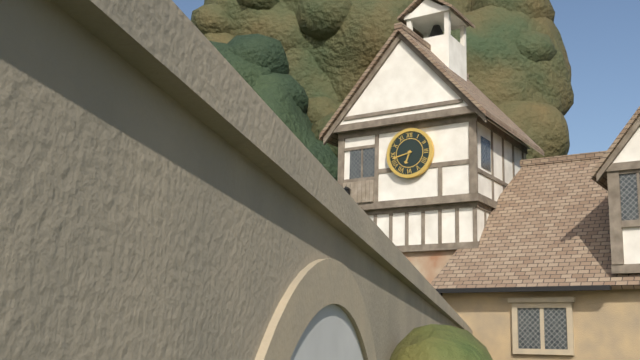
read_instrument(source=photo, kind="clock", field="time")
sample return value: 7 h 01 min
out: 6 h 43 min
